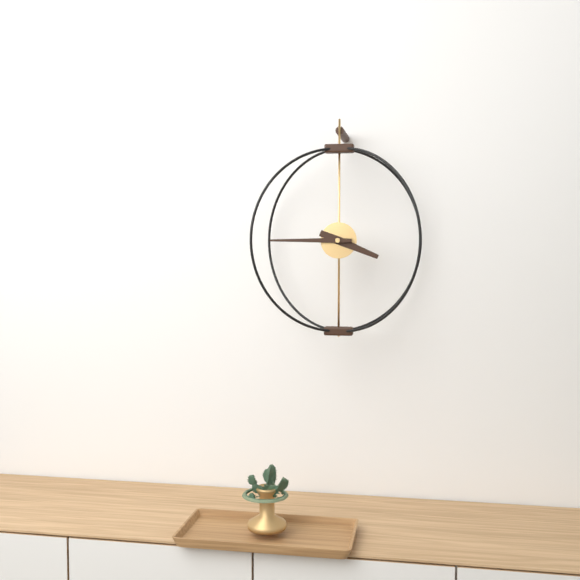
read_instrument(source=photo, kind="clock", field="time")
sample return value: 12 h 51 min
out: 3 h 45 min
